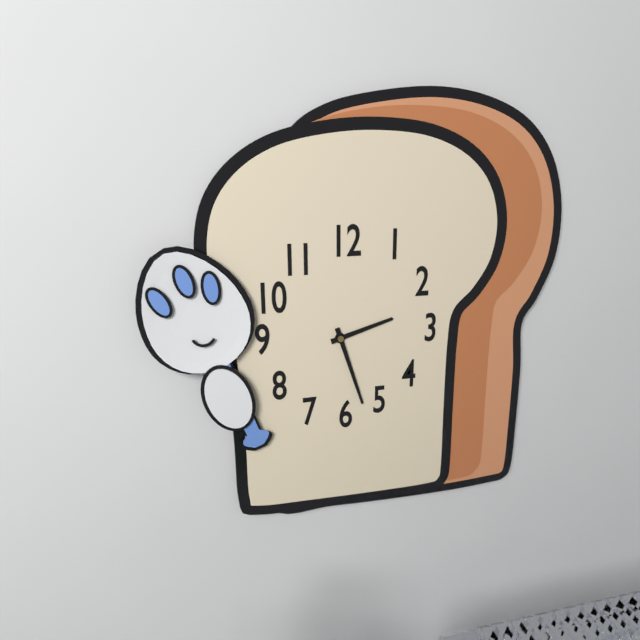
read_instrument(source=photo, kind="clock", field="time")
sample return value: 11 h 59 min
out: 2 h 27 min
